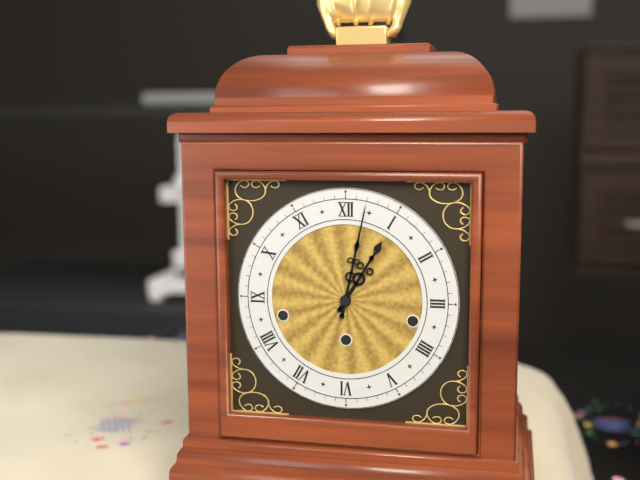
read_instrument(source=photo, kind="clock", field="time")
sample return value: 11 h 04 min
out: 1 h 02 min
